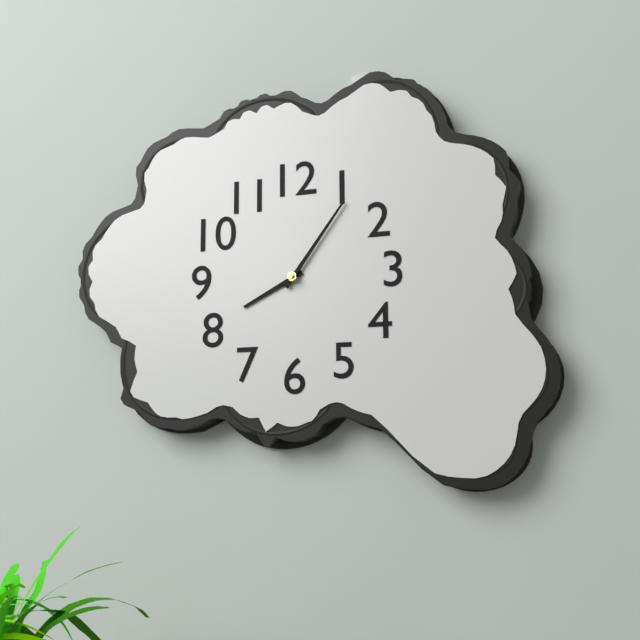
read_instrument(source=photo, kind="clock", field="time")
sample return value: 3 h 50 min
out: 8 h 06 min
